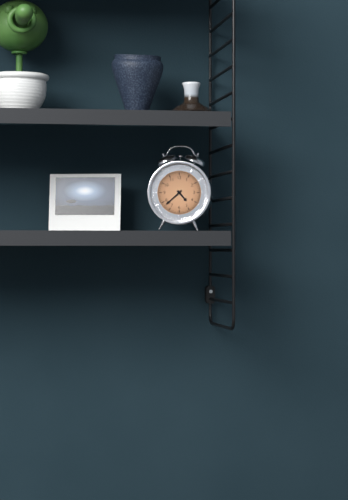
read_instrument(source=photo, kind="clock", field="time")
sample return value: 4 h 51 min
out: 4 h 38 min
